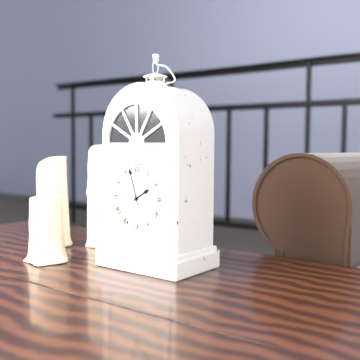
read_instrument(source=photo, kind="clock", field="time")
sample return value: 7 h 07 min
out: 1 h 57 min
